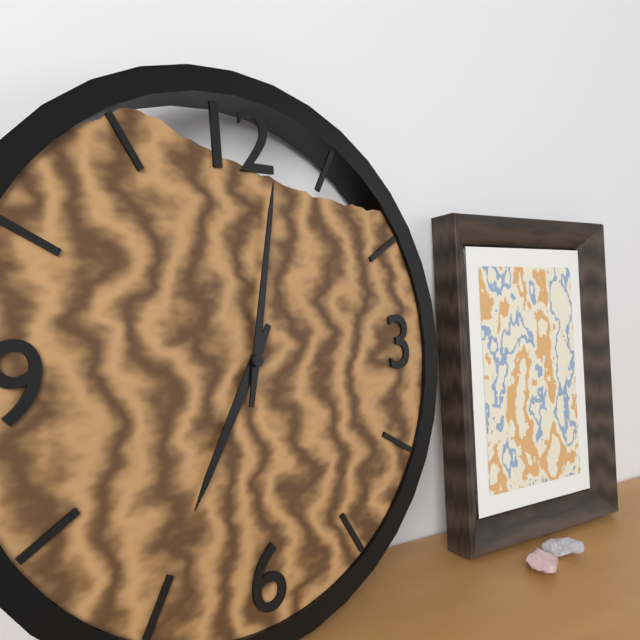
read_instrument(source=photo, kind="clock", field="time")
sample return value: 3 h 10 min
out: 7 h 02 min
